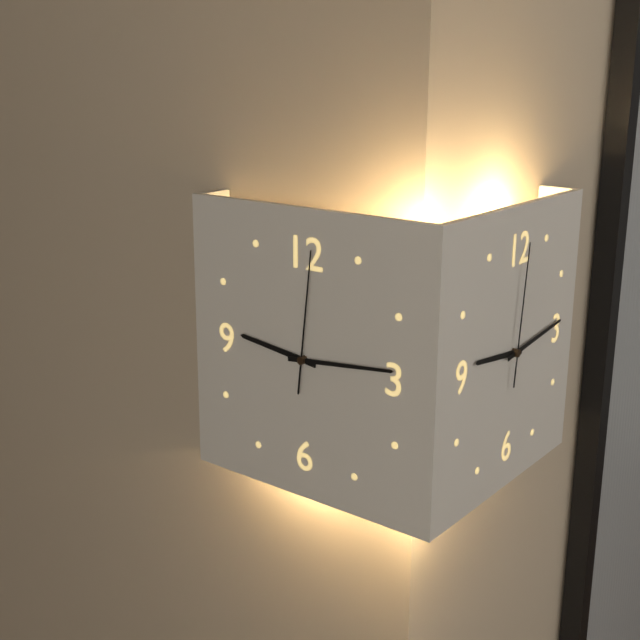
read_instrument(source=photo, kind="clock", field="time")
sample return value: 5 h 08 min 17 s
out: 9 h 14 min 01 s
